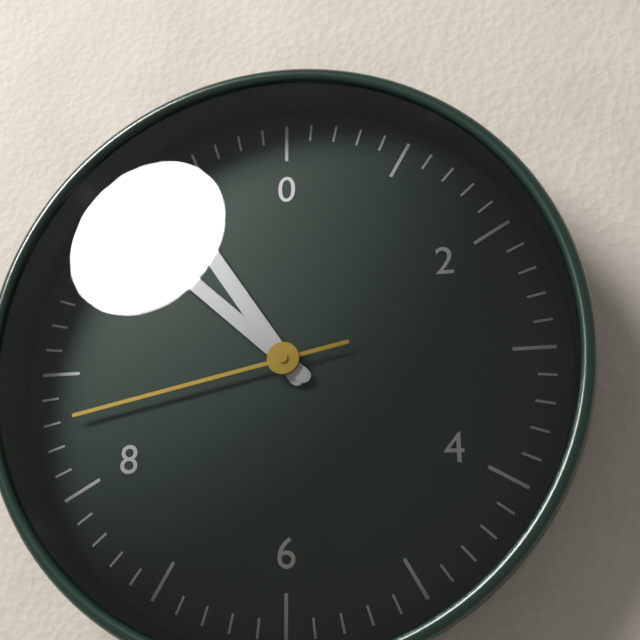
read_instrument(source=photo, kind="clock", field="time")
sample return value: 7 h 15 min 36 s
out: 10 h 52 min 43 s
